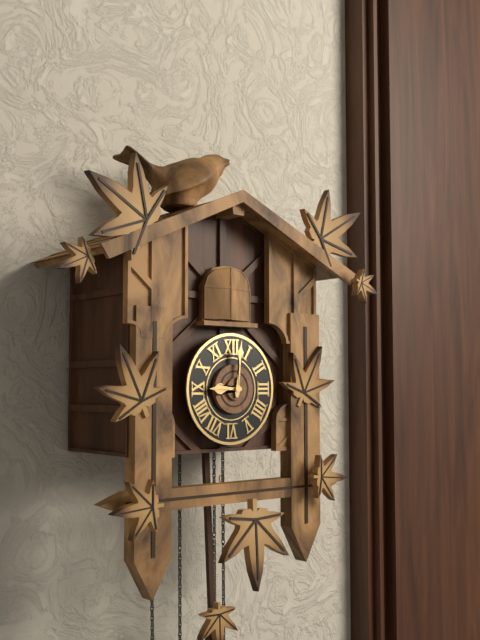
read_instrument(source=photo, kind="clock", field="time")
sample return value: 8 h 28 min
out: 9 h 01 min
